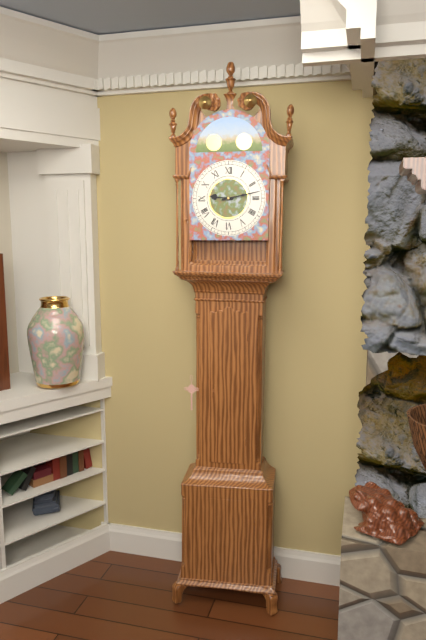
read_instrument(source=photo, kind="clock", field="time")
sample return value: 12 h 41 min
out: 9 h 13 min
